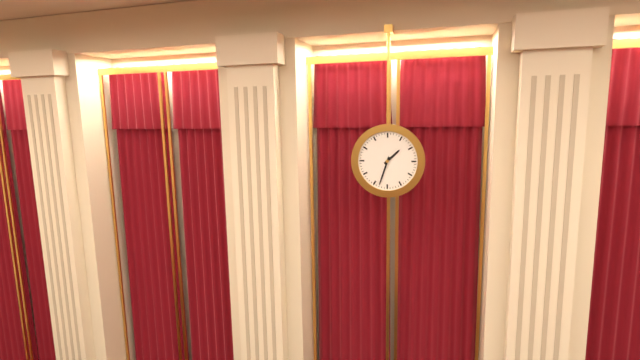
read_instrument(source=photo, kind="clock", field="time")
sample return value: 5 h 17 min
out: 1 h 33 min
